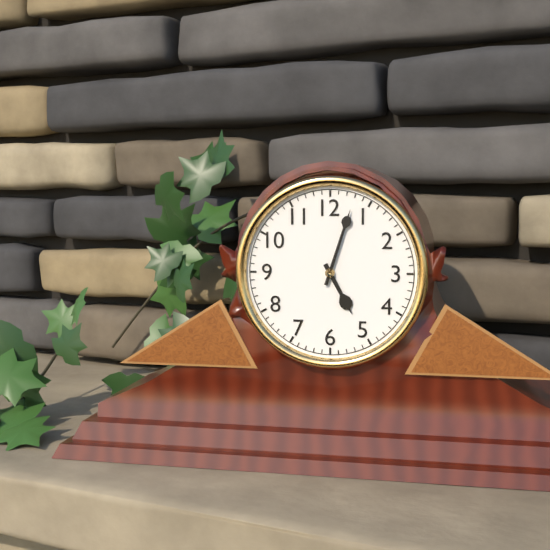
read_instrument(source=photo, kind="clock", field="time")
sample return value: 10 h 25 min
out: 5 h 03 min
